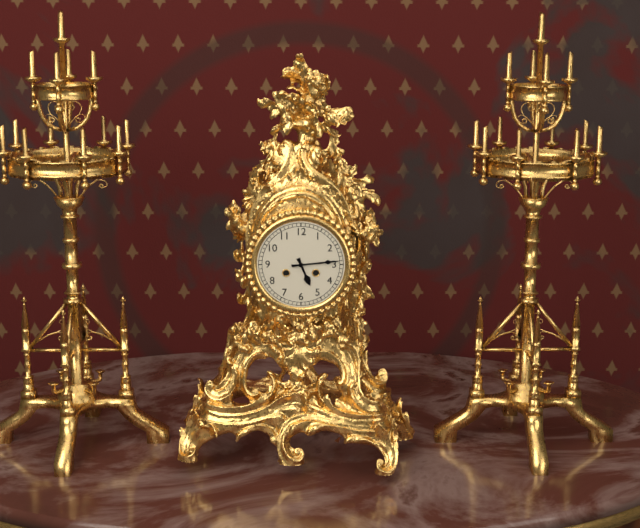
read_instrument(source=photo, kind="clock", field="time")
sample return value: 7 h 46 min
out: 5 h 14 min
